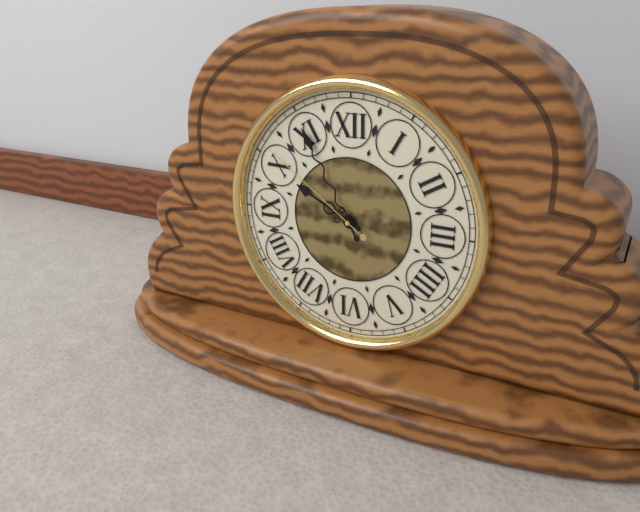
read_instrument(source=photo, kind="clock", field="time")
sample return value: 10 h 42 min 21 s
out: 9 h 55 min 51 s
